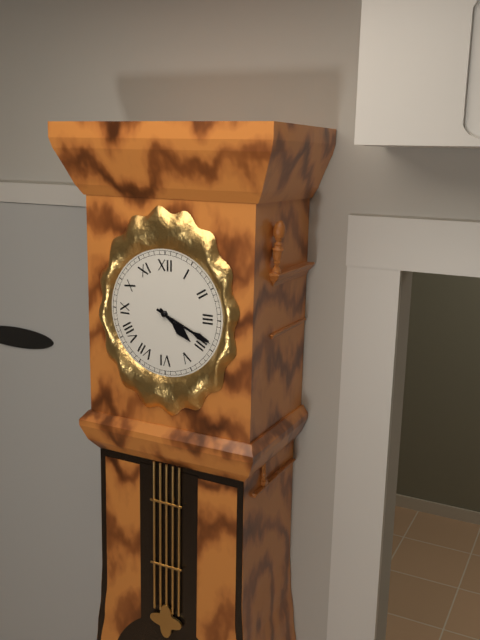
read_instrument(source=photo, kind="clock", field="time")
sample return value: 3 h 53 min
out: 4 h 19 min
